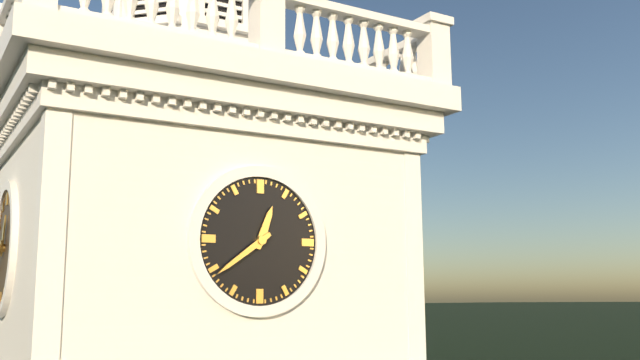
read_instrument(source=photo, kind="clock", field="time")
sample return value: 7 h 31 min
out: 12 h 39 min
